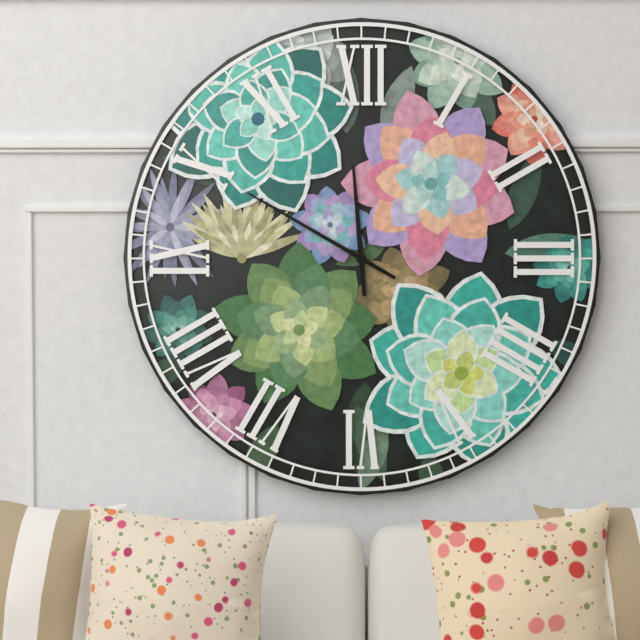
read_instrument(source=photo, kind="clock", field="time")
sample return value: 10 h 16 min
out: 11 h 50 min
